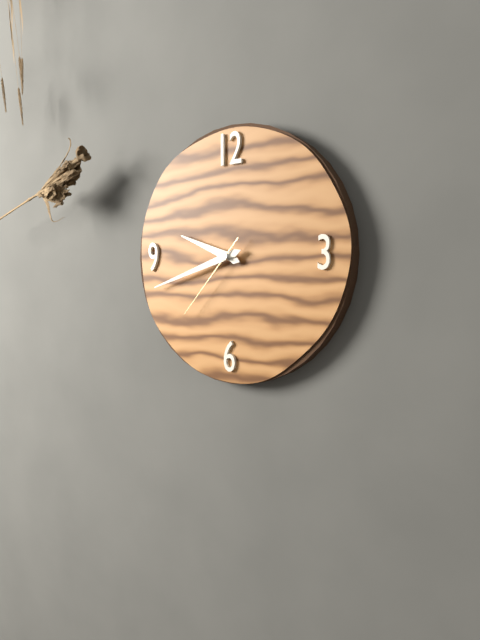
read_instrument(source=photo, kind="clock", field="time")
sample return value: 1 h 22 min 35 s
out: 9 h 42 min 37 s
